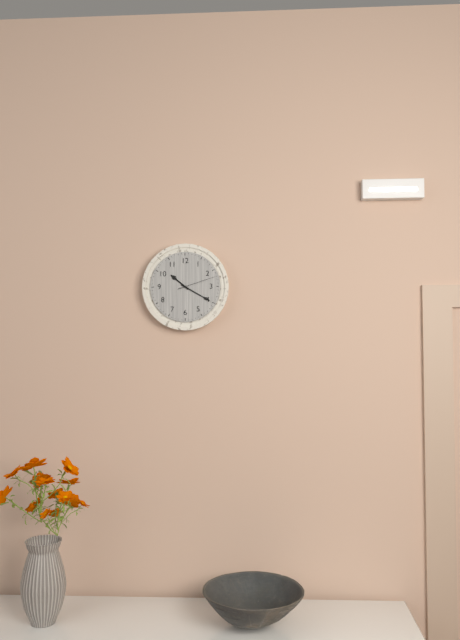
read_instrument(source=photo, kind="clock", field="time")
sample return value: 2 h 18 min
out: 10 h 20 min
